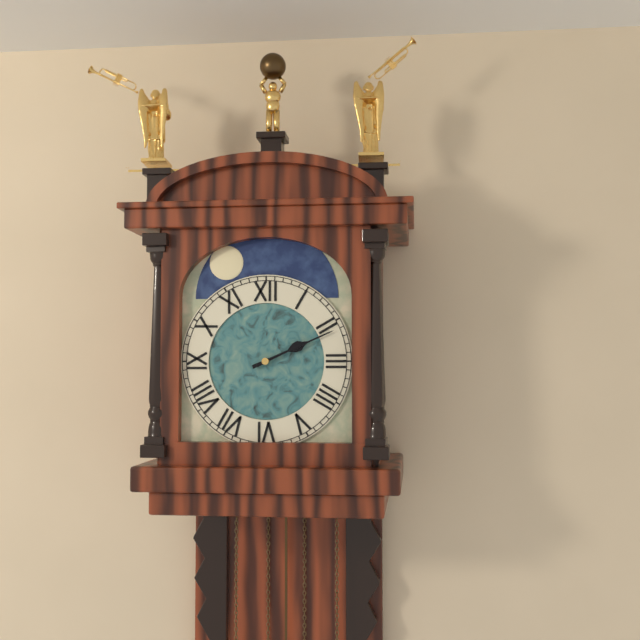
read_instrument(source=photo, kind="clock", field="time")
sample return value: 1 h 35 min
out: 2 h 11 min
